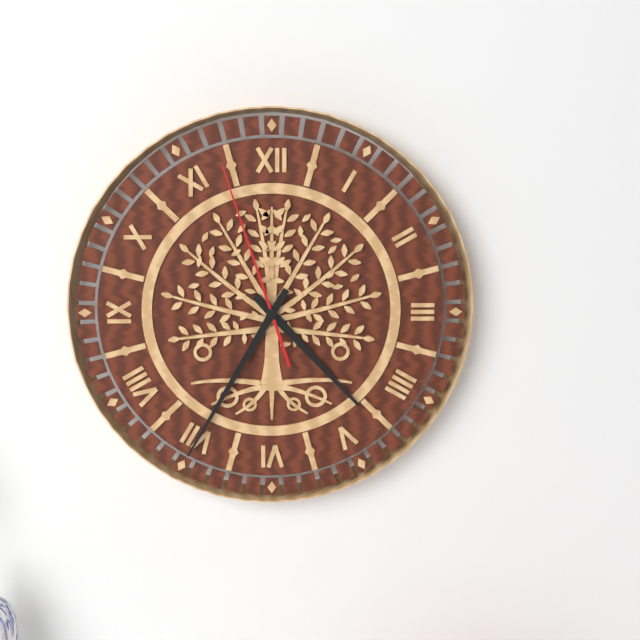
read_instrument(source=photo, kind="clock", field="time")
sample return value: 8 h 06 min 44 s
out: 4 h 35 min 57 s
